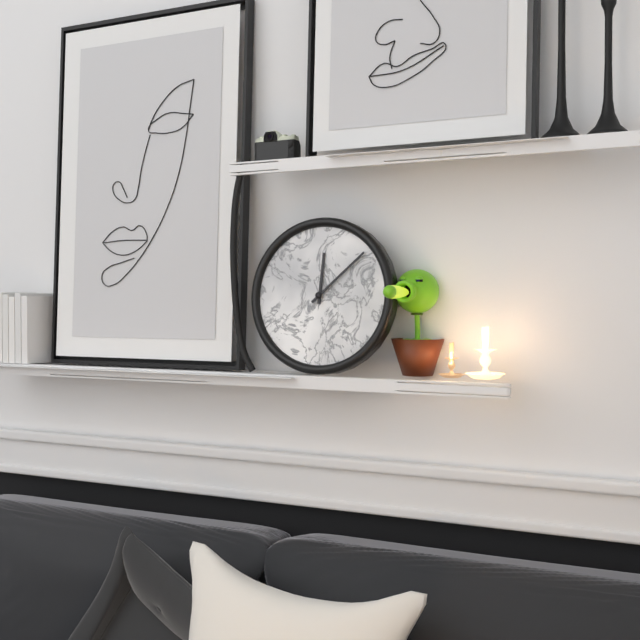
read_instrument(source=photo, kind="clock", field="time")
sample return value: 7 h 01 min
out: 12 h 08 min
